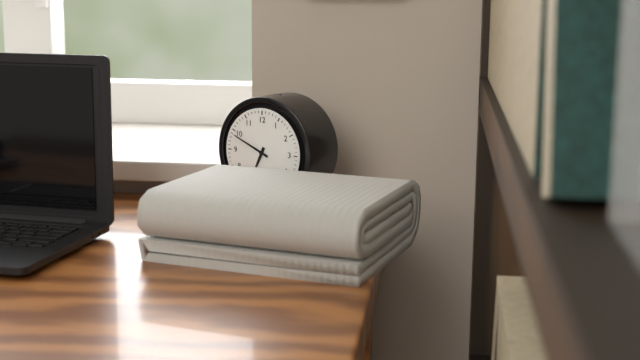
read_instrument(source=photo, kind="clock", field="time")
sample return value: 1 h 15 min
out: 6 h 49 min
